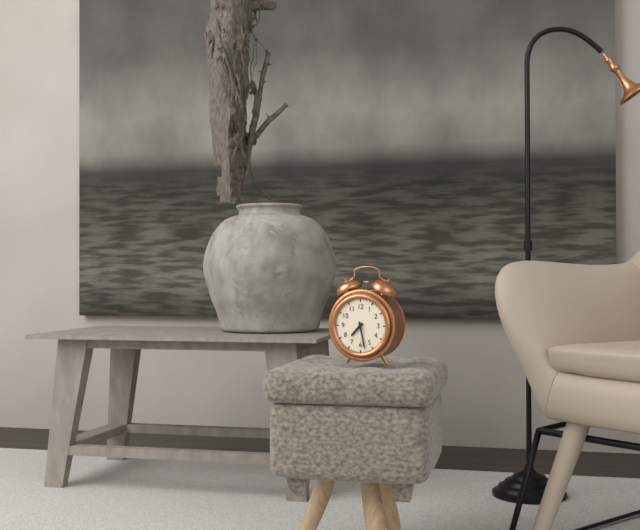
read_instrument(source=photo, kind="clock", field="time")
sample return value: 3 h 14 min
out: 7 h 28 min
